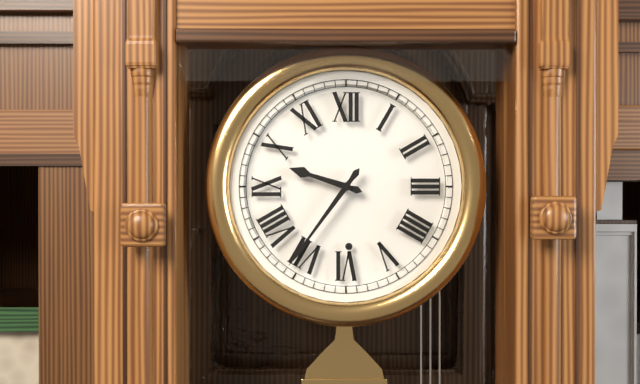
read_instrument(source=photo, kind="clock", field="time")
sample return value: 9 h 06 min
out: 9 h 36 min
